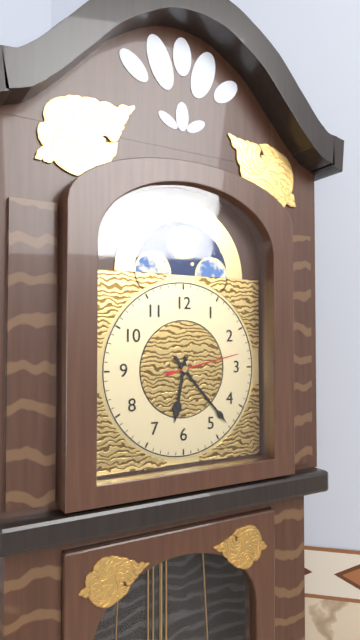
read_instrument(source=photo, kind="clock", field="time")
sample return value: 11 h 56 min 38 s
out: 6 h 23 min 13 s
